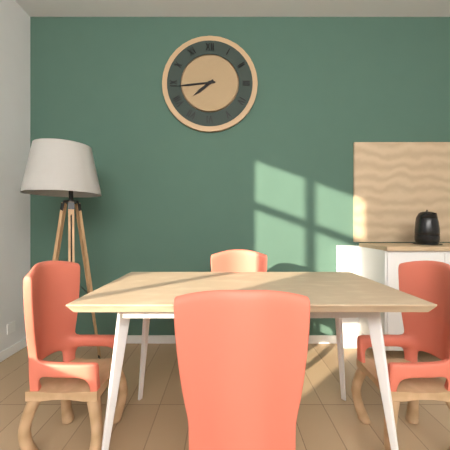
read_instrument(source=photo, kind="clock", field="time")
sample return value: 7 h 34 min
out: 7 h 44 min
